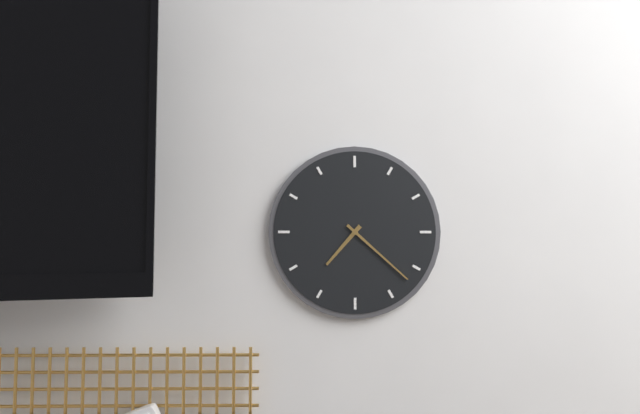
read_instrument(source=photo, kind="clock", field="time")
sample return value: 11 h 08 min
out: 7 h 22 min
